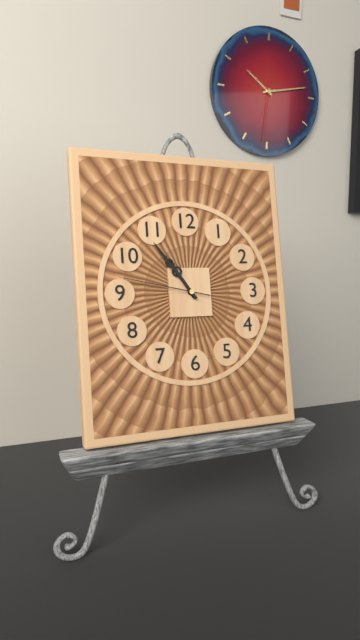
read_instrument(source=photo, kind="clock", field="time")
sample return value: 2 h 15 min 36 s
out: 10 h 54 min 47 s
